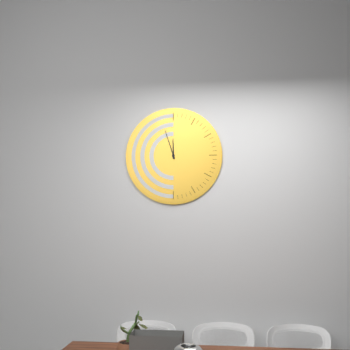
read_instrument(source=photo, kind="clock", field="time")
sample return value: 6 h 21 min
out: 11 h 57 min
